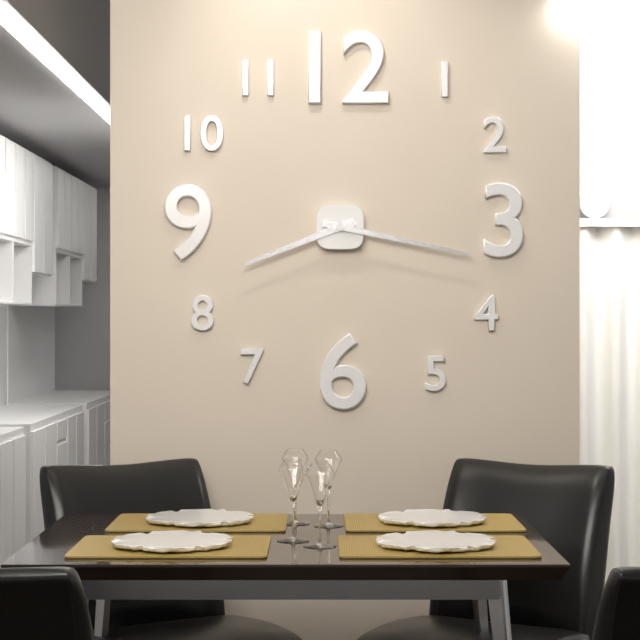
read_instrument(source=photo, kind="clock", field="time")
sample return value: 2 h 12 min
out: 8 h 17 min
